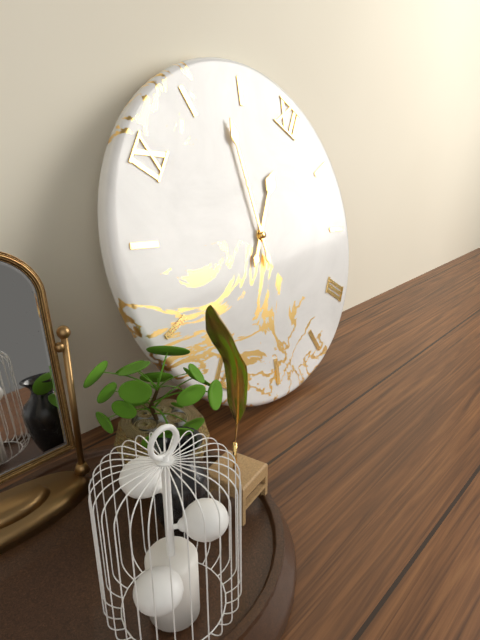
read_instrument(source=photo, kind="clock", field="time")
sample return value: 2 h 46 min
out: 11 h 53 min
